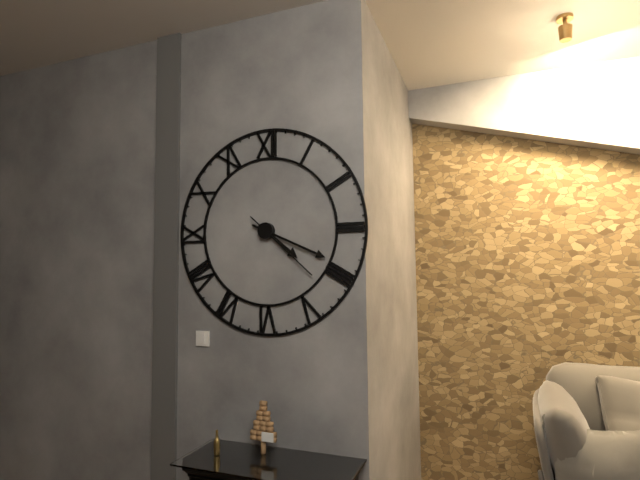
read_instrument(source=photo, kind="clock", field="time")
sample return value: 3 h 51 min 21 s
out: 4 h 19 min 22 s
